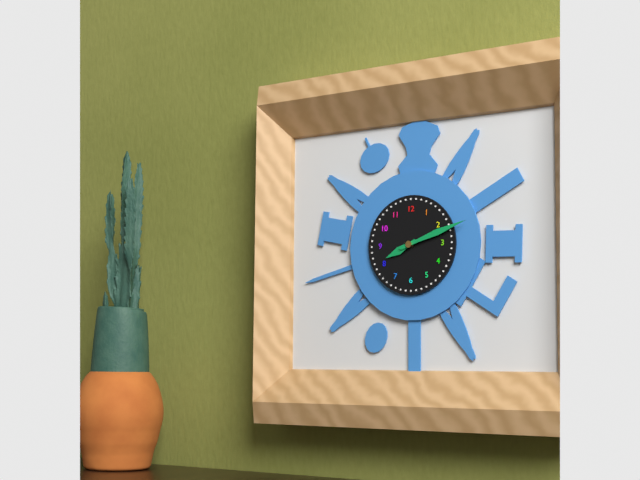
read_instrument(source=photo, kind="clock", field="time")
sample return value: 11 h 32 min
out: 8 h 12 min
